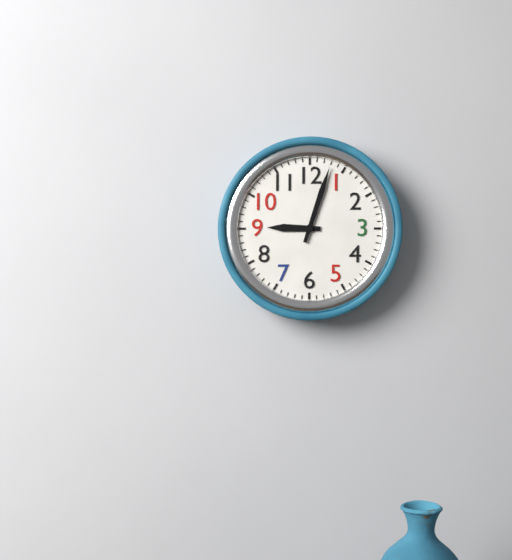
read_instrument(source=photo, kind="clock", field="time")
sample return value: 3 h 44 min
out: 9 h 03 min
